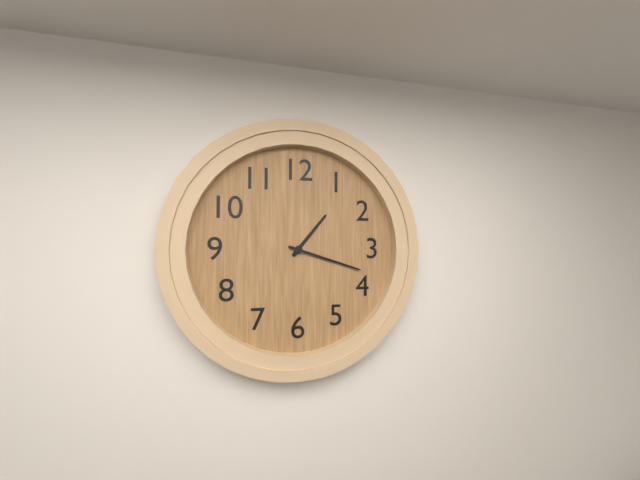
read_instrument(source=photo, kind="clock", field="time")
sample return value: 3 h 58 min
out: 1 h 18 min
